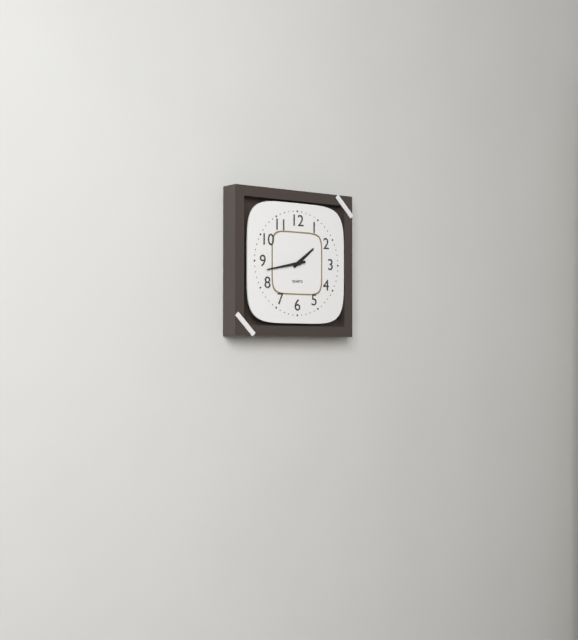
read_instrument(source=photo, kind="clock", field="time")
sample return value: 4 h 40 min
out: 1 h 43 min
